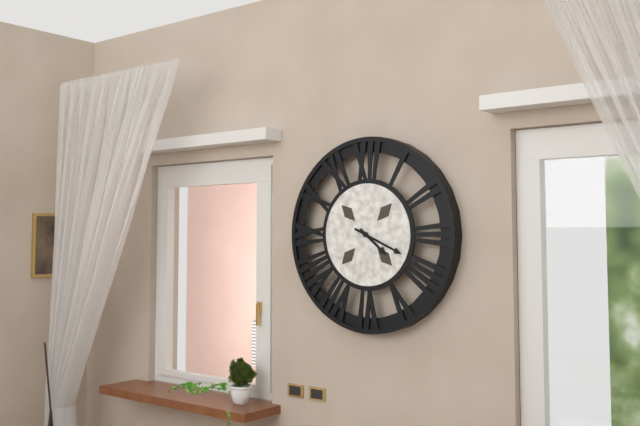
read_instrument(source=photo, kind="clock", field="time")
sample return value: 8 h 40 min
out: 4 h 19 min
